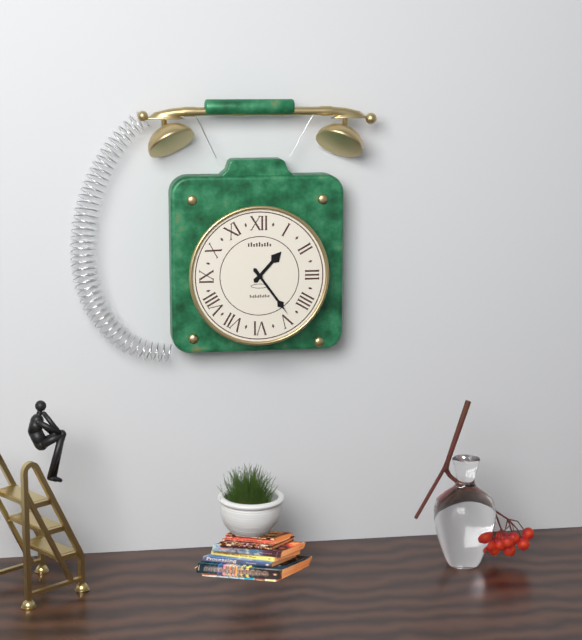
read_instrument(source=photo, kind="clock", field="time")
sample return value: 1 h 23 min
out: 1 h 24 min
